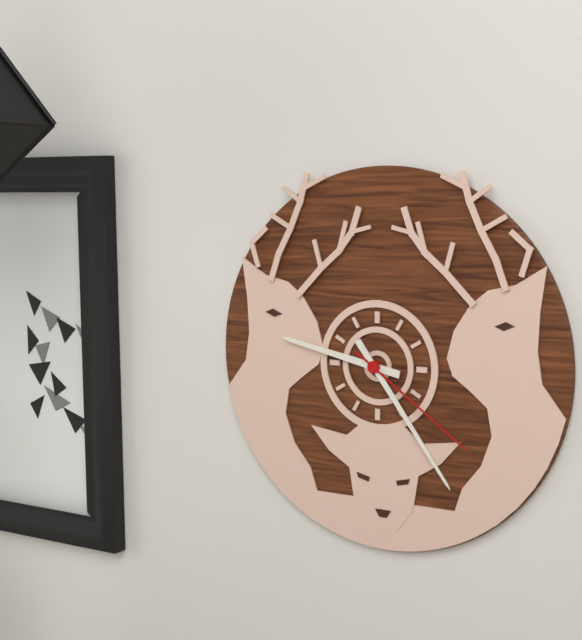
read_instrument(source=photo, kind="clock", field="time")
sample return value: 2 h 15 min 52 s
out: 9 h 24 min 21 s
